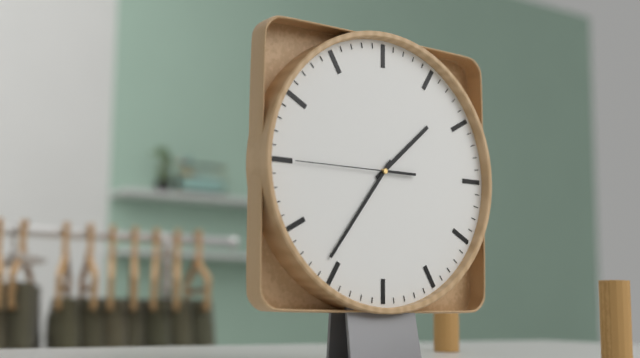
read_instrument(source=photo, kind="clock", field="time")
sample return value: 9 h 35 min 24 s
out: 1 h 36 min 45 s
